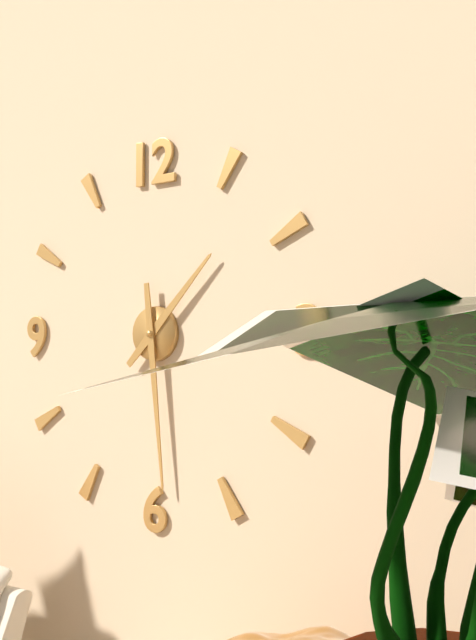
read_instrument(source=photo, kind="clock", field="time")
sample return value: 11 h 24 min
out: 1 h 29 min
